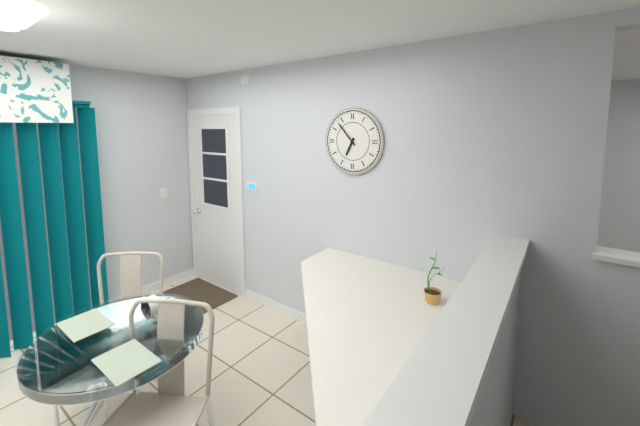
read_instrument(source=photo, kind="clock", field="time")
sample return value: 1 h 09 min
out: 6 h 53 min
